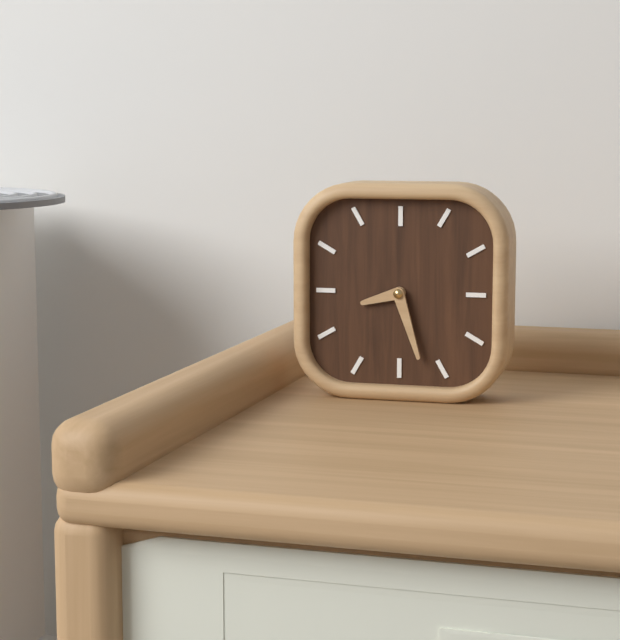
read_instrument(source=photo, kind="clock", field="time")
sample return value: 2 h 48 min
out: 8 h 27 min
